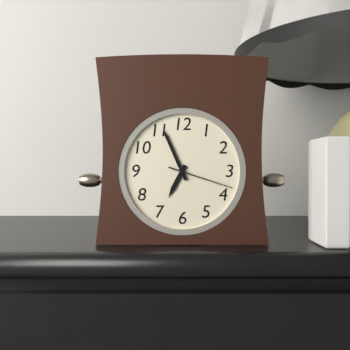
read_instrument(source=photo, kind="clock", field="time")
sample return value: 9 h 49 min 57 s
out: 6 h 56 min 18 s
